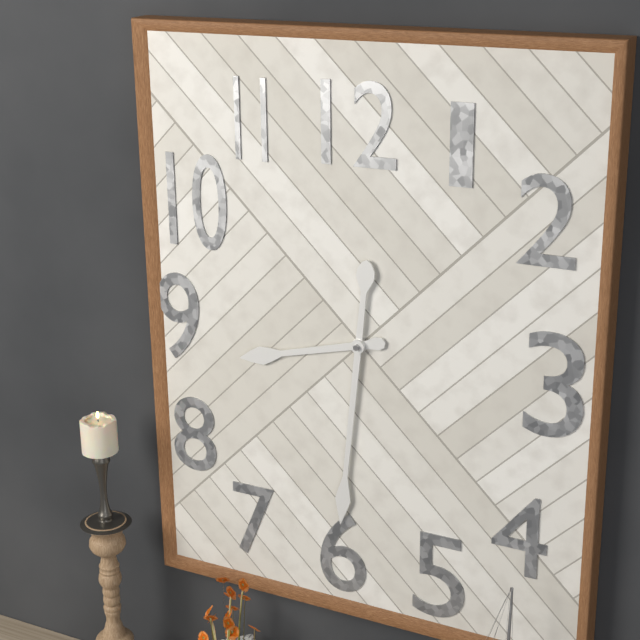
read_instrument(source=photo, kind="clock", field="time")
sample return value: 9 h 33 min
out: 8 h 31 min
